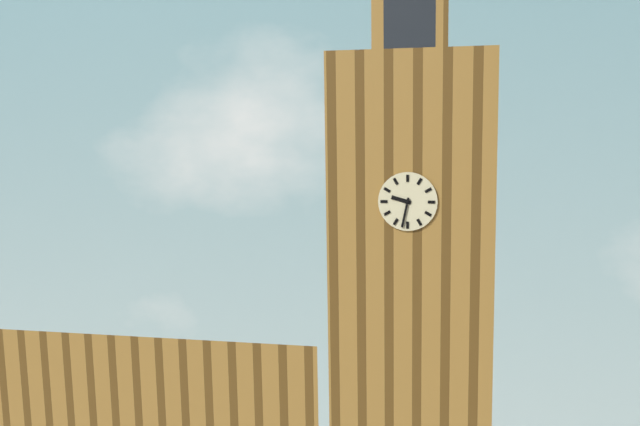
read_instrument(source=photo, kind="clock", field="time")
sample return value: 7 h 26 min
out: 9 h 32 min
